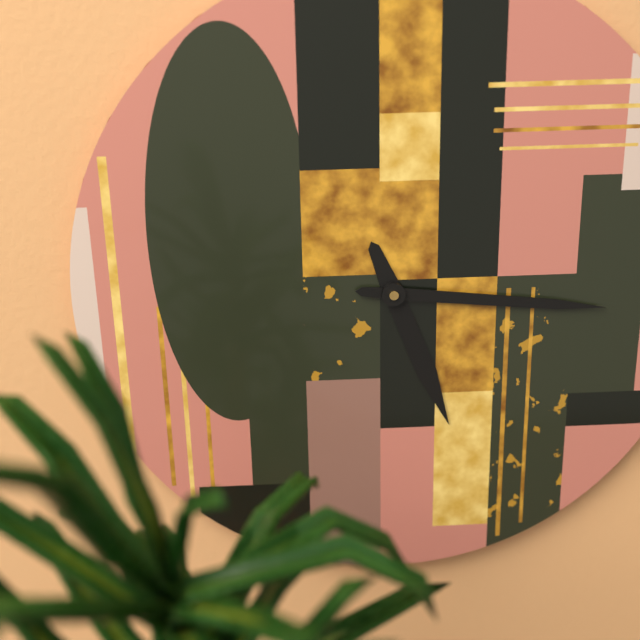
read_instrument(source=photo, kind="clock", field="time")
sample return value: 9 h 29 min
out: 5 h 16 min
